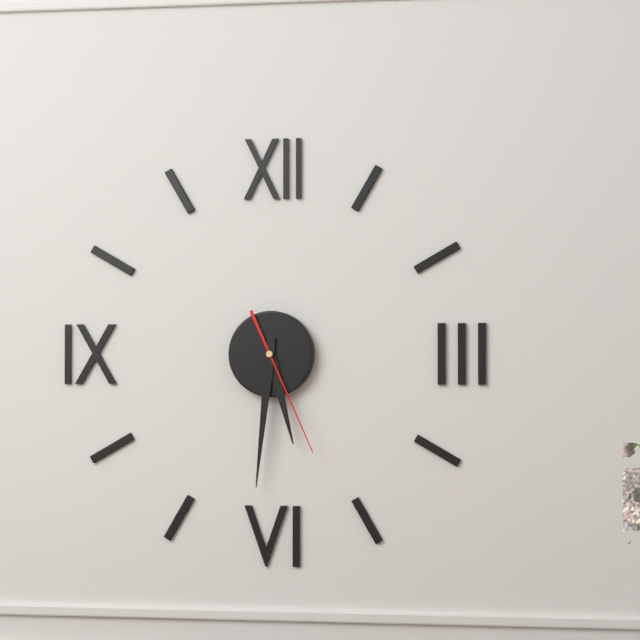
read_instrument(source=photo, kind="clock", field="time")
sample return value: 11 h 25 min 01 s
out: 5 h 31 min 26 s
